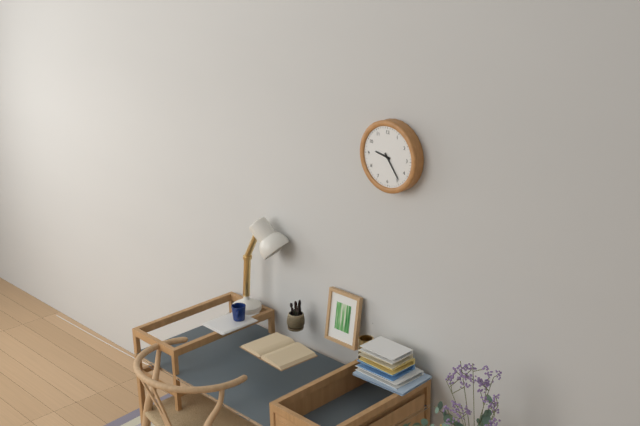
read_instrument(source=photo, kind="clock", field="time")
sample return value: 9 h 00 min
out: 9 h 24 min
